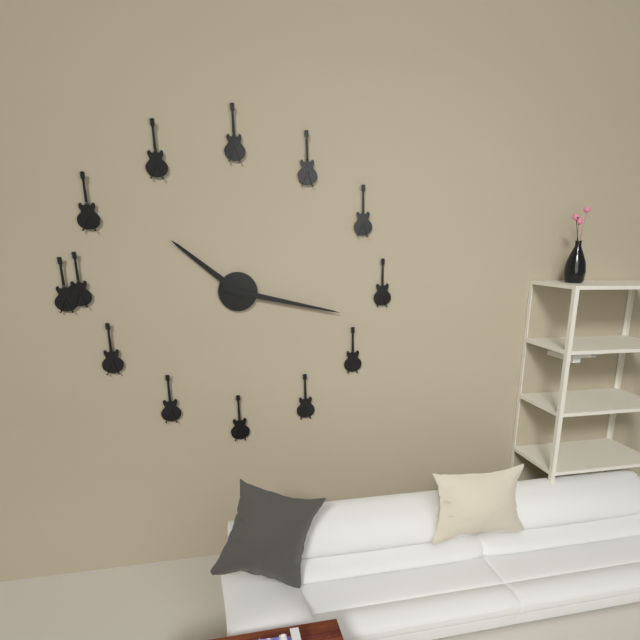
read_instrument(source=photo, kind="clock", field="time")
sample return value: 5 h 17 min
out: 10 h 17 min
